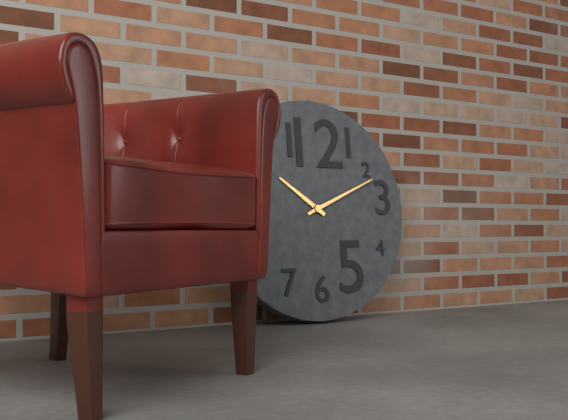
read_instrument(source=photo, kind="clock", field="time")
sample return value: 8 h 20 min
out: 10 h 11 min
